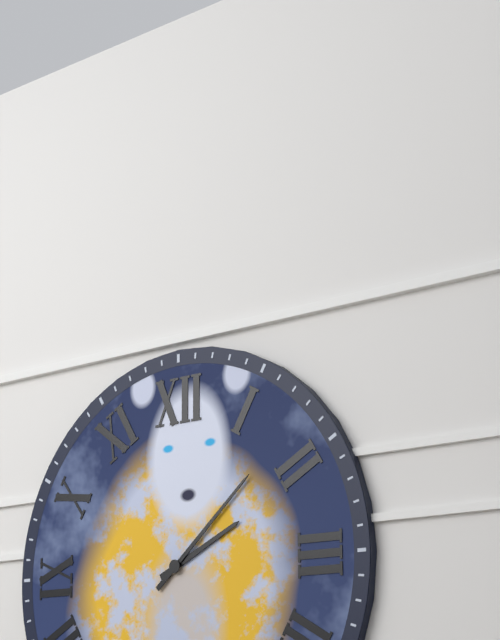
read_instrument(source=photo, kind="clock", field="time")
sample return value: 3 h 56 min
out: 2 h 08 min
